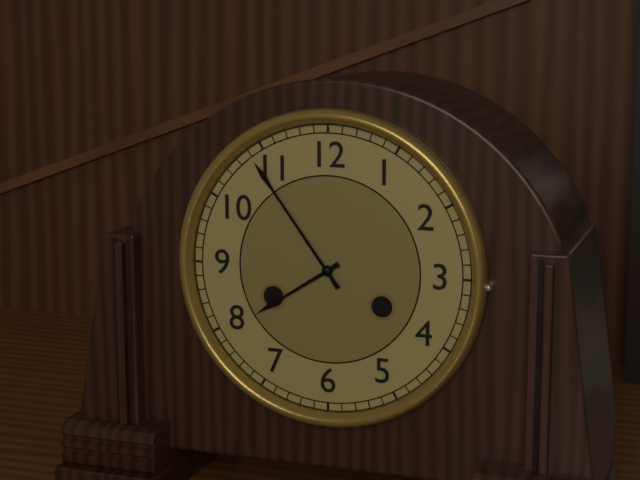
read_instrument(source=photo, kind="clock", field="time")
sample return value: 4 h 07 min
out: 7 h 54 min
